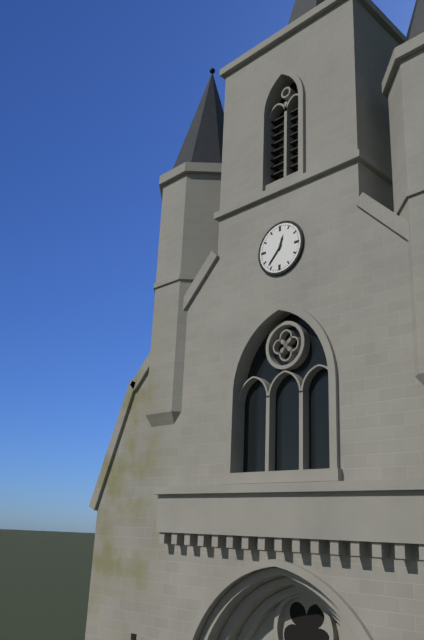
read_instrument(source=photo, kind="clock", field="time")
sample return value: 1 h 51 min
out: 12 h 37 min
